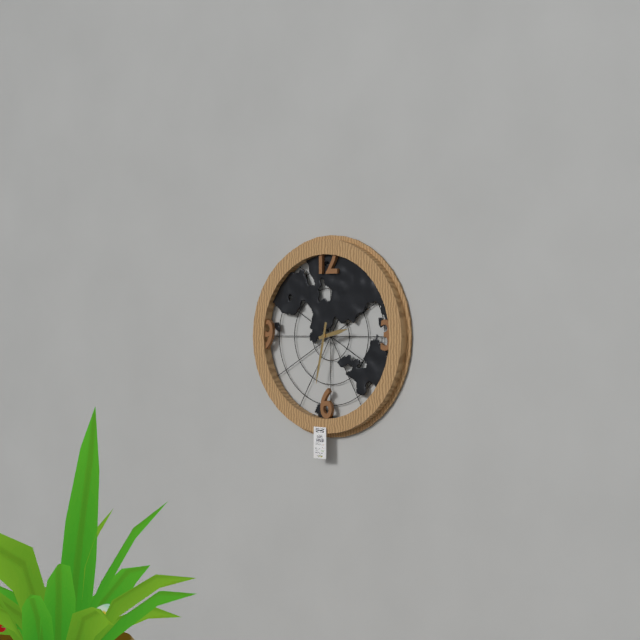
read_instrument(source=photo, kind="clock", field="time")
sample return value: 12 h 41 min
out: 2 h 32 min
